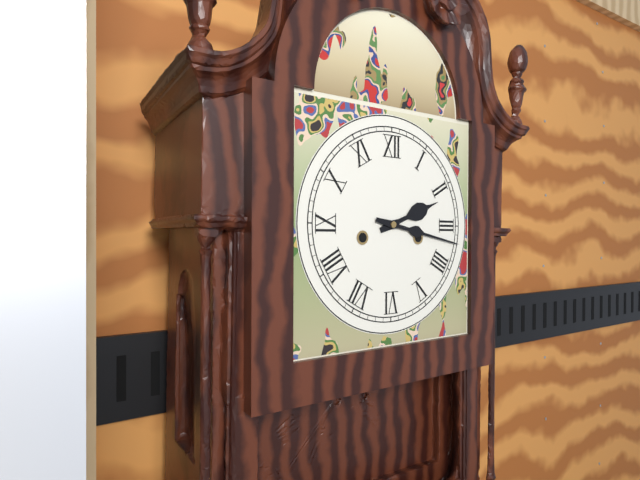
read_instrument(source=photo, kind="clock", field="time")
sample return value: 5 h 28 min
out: 2 h 17 min
